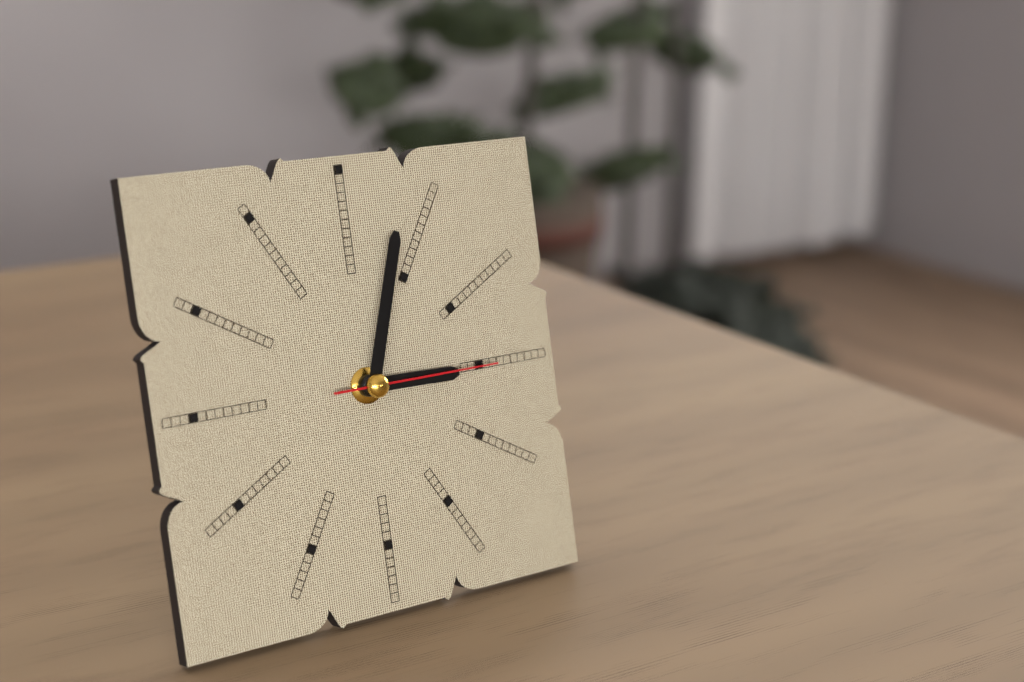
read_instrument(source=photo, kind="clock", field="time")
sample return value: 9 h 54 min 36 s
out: 3 h 03 min 15 s
